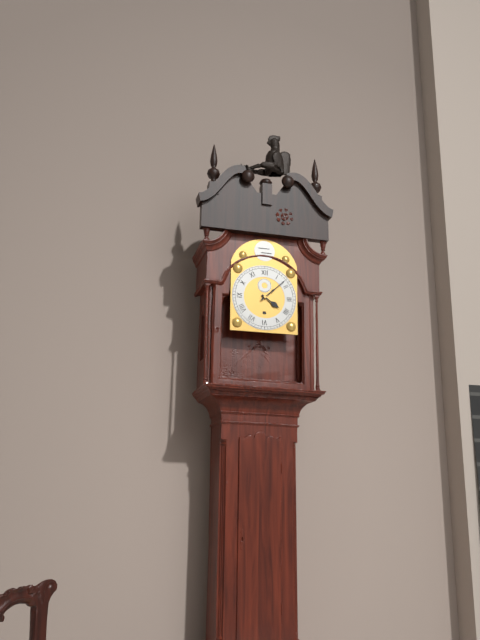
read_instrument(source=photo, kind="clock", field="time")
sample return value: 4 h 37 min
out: 4 h 08 min
